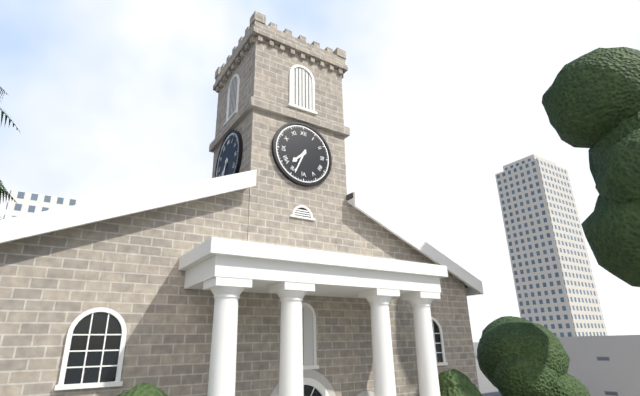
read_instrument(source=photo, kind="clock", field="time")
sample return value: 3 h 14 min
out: 7 h 34 min
